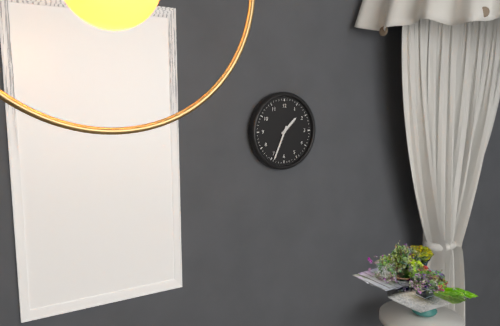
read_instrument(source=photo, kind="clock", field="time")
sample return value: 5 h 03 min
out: 1 h 34 min
